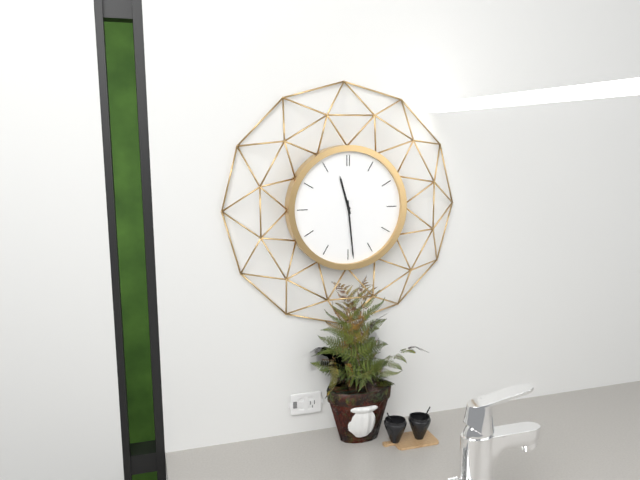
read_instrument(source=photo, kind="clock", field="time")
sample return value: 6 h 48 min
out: 11 h 29 min
